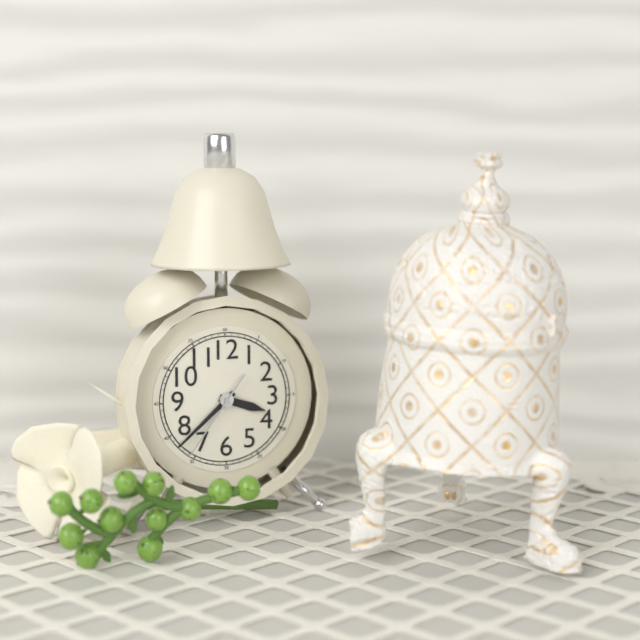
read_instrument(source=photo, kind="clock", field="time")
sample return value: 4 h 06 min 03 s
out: 3 h 38 min 36 s
